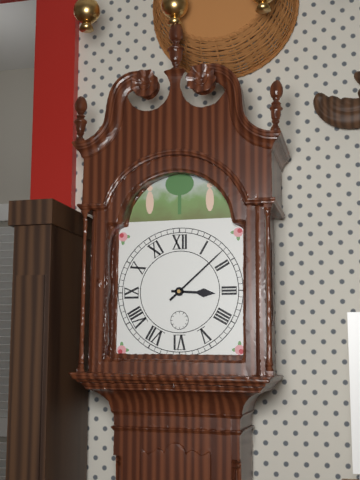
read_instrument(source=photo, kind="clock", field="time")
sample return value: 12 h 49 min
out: 3 h 08 min
